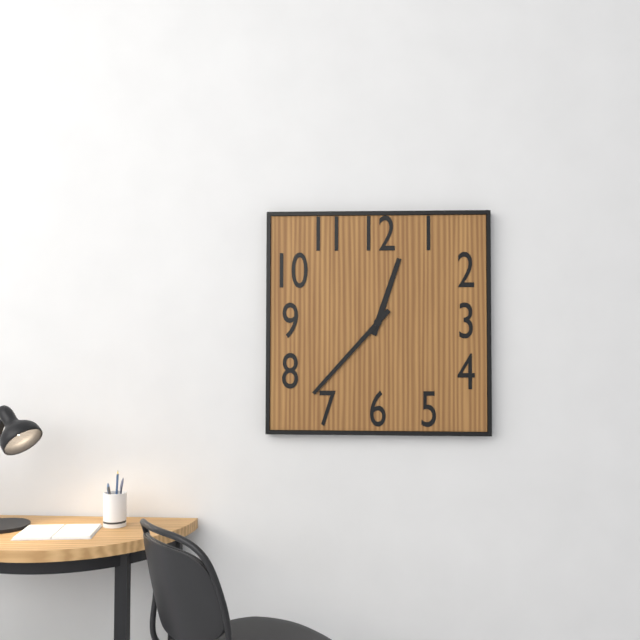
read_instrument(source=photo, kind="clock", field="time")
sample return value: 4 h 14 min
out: 12 h 37 min
